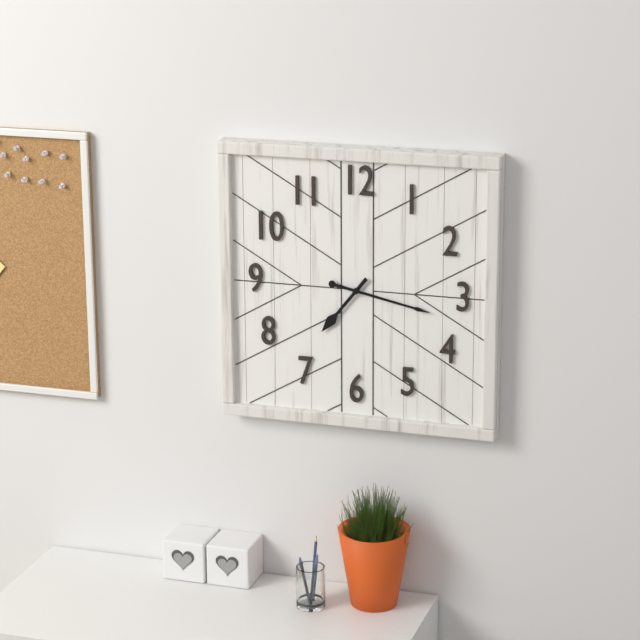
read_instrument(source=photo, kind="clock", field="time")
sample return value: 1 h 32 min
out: 7 h 17 min
